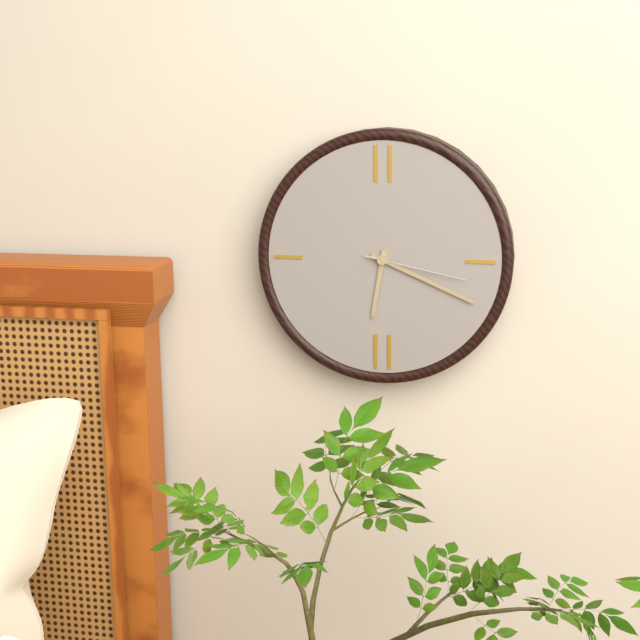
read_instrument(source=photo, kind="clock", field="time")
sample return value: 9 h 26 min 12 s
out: 6 h 19 min 17 s
